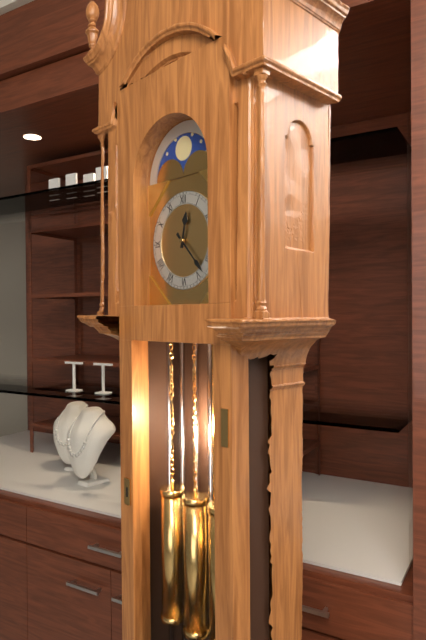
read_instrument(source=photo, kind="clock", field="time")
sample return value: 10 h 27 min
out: 12 h 23 min
